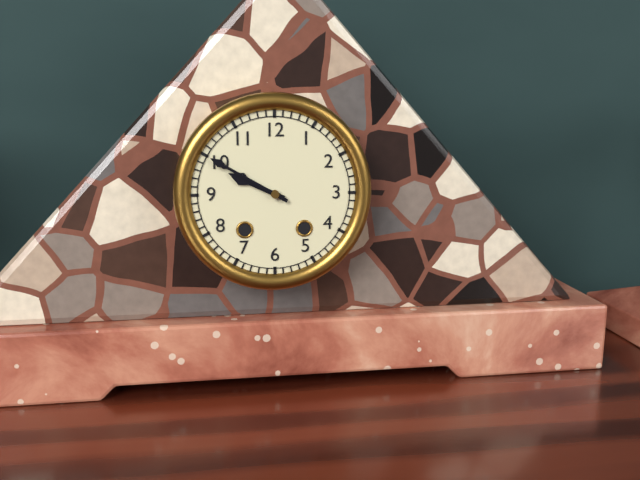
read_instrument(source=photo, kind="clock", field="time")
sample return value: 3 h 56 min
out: 9 h 50 min
